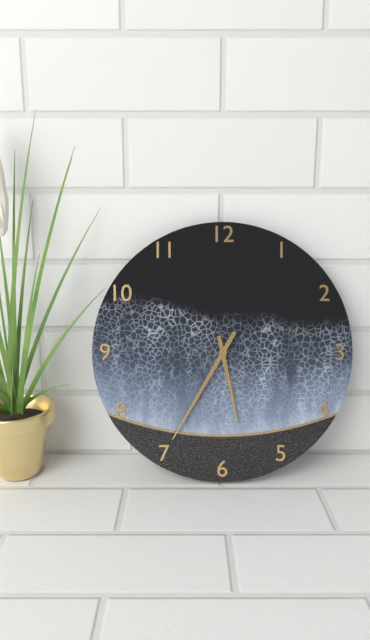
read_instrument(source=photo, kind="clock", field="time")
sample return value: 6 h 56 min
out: 5 h 35 min
